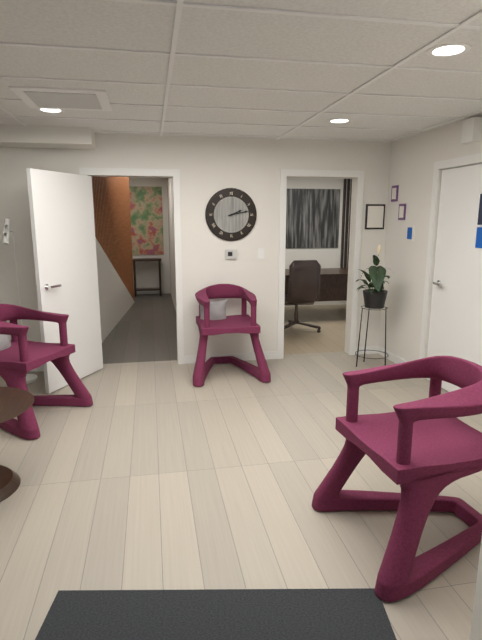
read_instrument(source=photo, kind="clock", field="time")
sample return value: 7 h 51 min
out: 2 h 13 min
